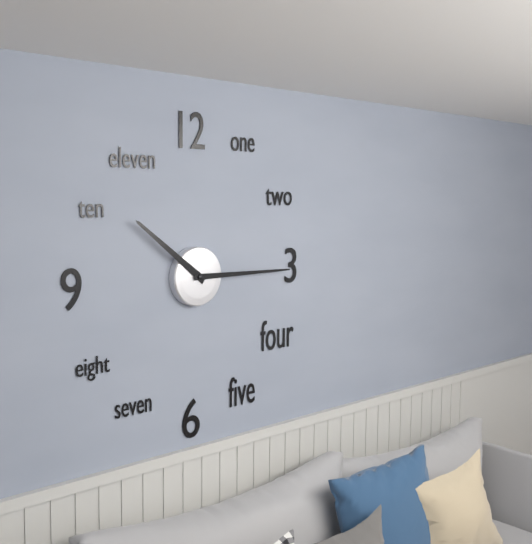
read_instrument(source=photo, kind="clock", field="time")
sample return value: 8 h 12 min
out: 10 h 15 min
